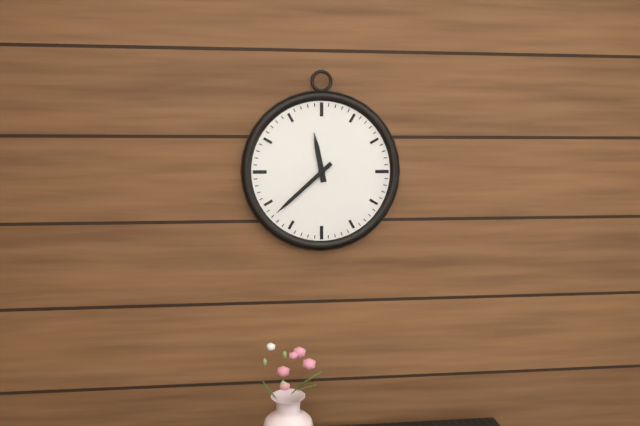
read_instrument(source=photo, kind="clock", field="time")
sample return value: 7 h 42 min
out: 11 h 38 min
